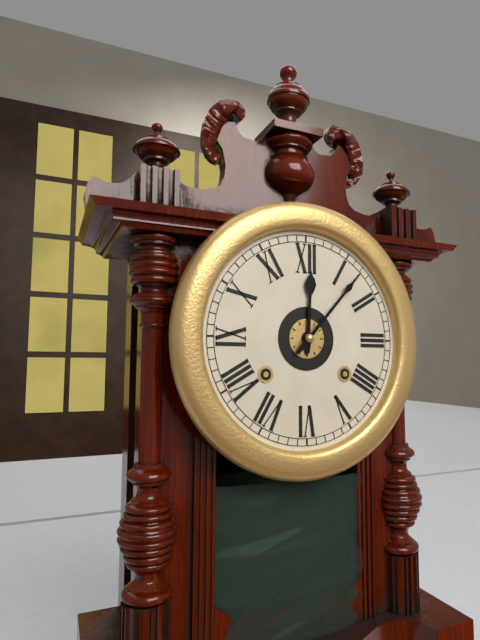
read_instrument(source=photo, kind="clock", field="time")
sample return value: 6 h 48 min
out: 12 h 07 min
